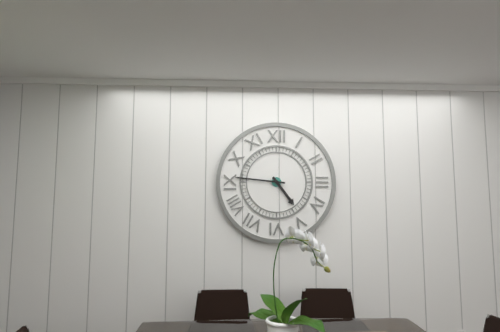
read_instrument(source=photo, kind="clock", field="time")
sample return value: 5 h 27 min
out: 4 h 46 min
